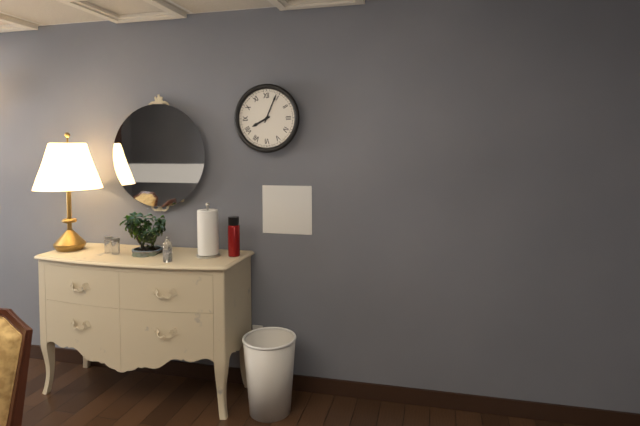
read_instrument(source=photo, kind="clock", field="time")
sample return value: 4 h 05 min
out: 8 h 04 min
